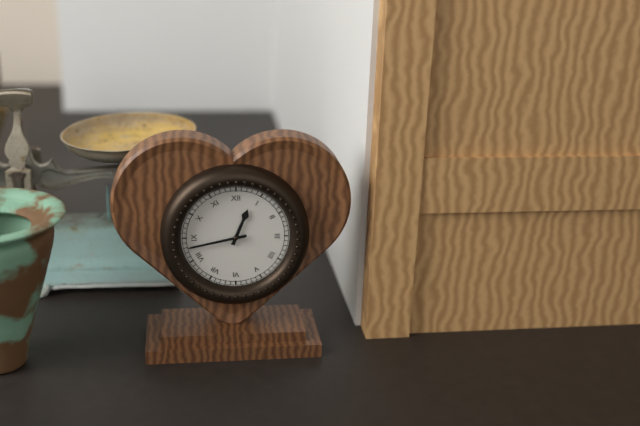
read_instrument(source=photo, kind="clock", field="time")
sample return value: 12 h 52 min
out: 12 h 43 min
